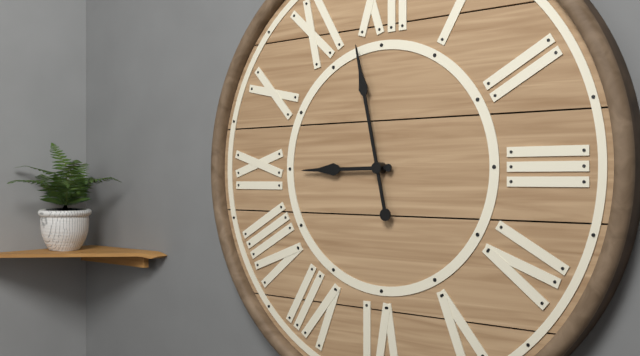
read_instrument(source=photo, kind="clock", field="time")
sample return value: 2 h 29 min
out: 8 h 58 min
